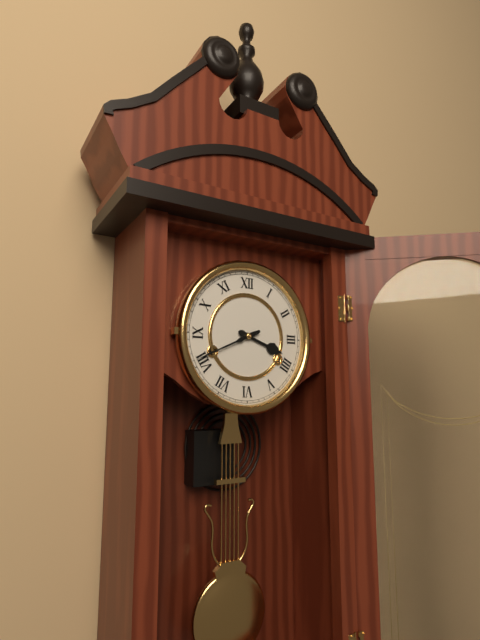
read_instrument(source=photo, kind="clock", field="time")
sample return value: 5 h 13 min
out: 3 h 41 min
